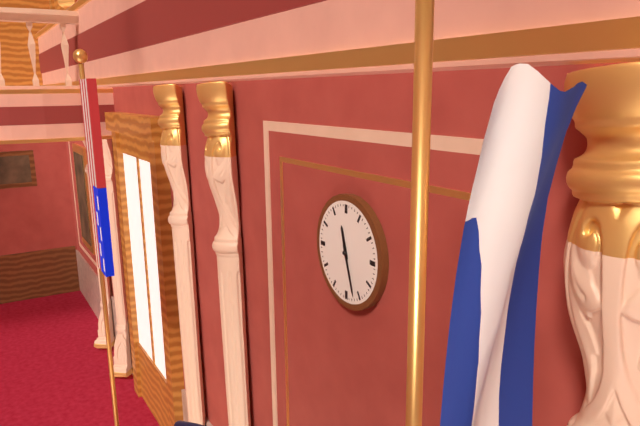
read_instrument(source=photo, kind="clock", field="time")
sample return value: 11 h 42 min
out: 11 h 27 min
